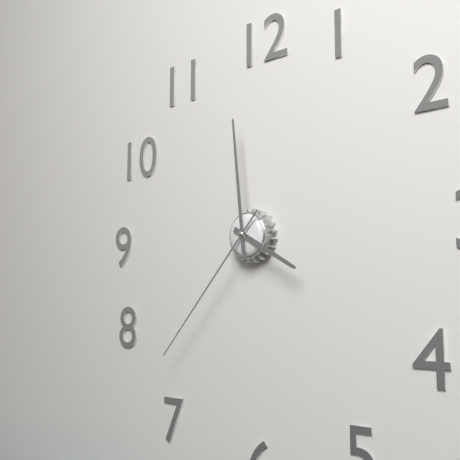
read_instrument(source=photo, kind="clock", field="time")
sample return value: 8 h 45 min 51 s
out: 3 h 59 min 37 s
